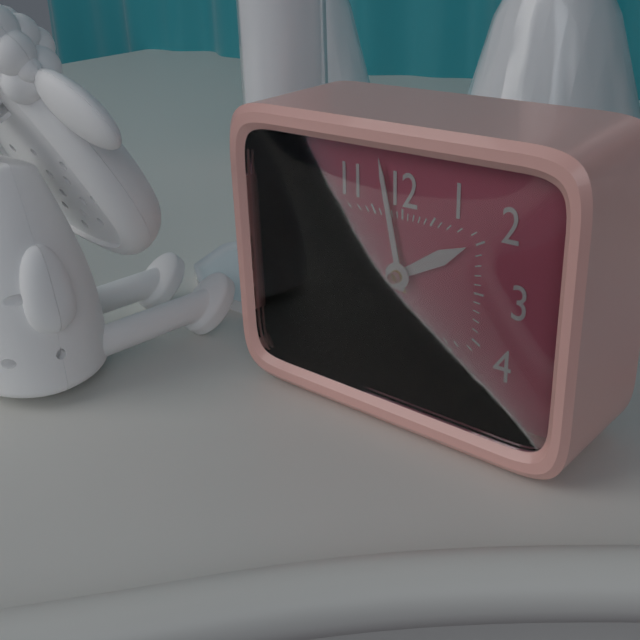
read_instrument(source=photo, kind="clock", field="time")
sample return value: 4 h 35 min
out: 1 h 58 min
